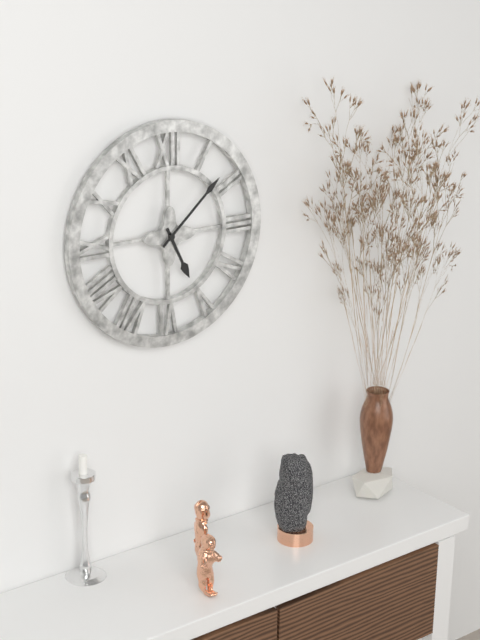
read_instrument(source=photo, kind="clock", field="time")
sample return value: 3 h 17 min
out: 5 h 08 min
